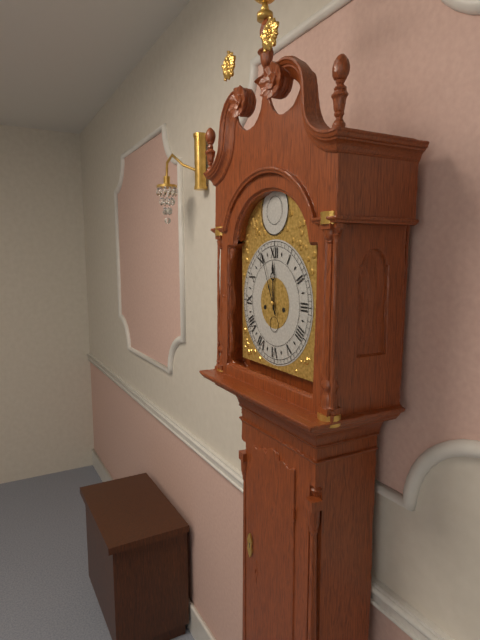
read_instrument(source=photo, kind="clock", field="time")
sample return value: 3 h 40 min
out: 11 h 56 min
